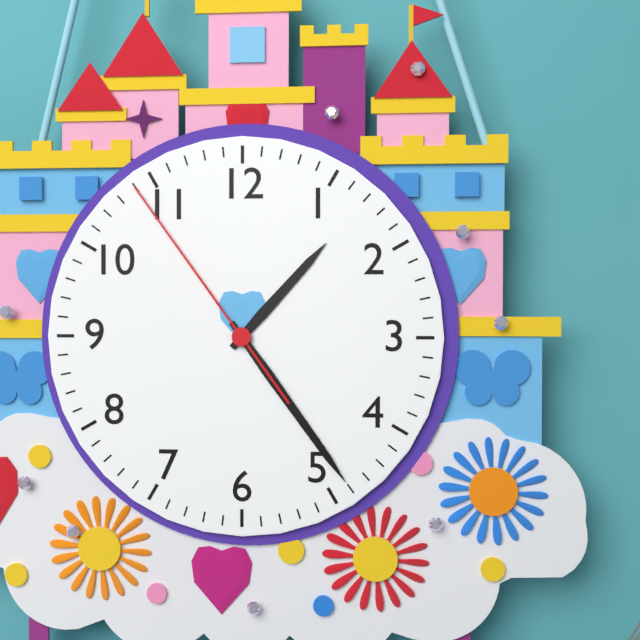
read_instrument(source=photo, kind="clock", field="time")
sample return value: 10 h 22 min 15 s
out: 1 h 24 min 54 s
